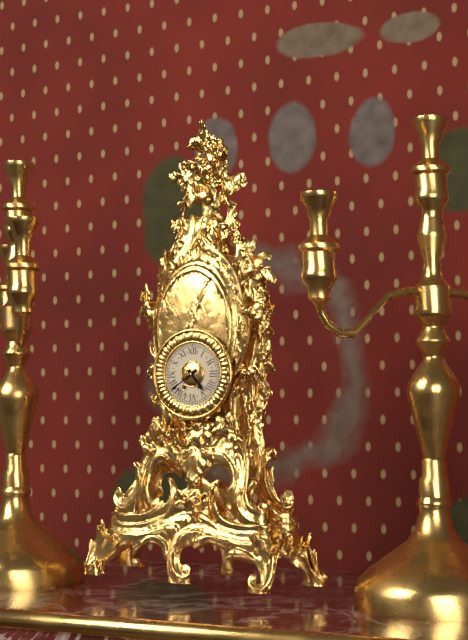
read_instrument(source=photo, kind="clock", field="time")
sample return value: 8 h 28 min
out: 4 h 39 min
